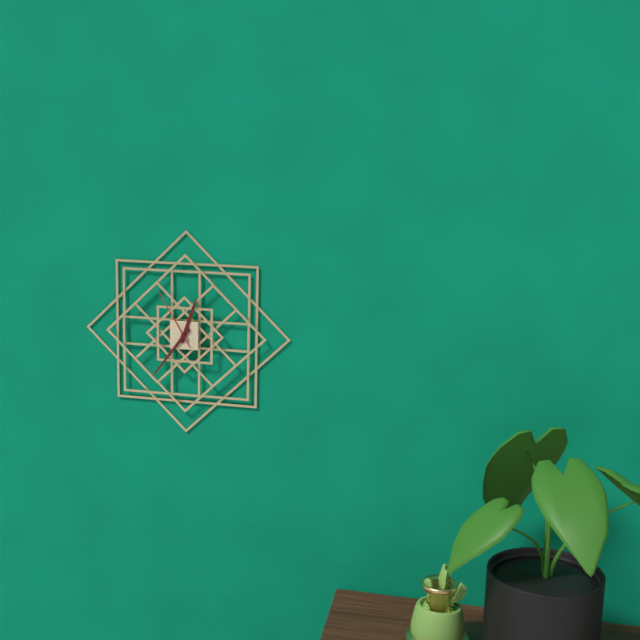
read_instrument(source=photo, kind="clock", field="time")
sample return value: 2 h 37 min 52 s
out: 12 h 36 min 55 s
